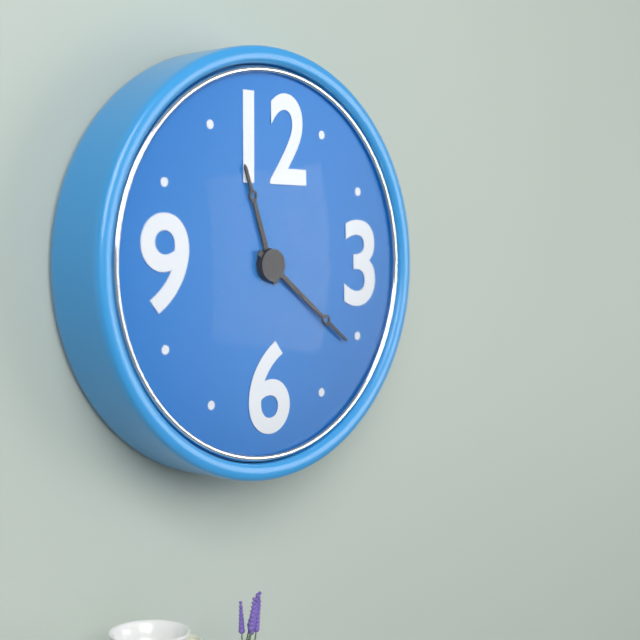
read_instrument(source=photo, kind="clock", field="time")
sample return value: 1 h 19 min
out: 11 h 21 min
